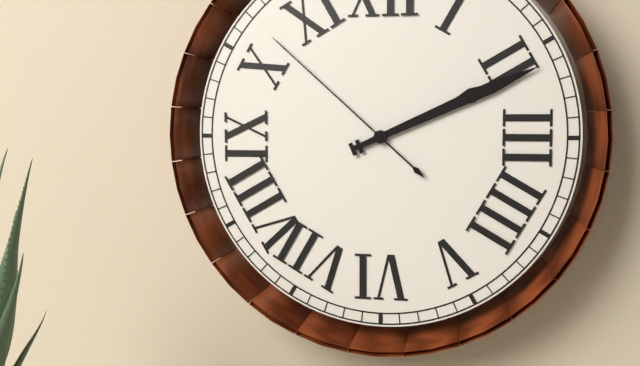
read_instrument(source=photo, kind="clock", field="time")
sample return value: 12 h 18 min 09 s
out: 2 h 11 min 52 s
